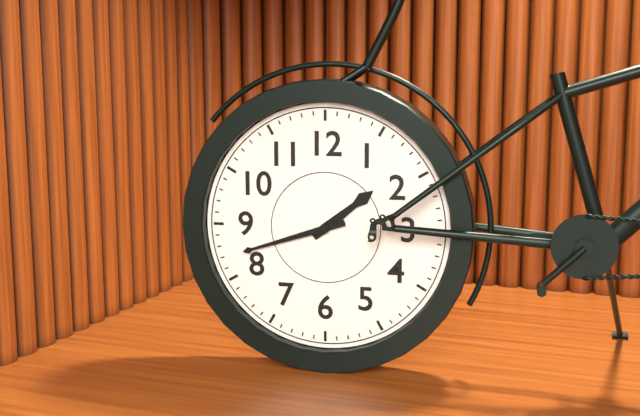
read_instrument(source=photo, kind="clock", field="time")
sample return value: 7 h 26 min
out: 1 h 42 min
